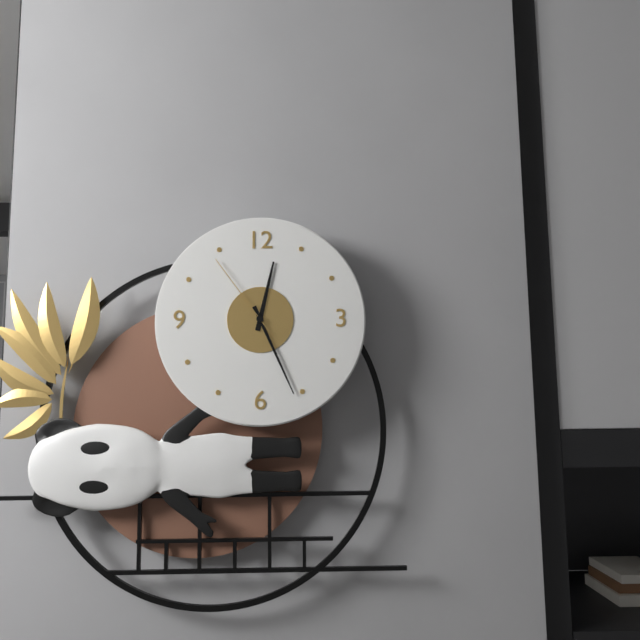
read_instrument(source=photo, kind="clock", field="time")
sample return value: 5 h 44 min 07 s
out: 12 h 26 min 54 s
